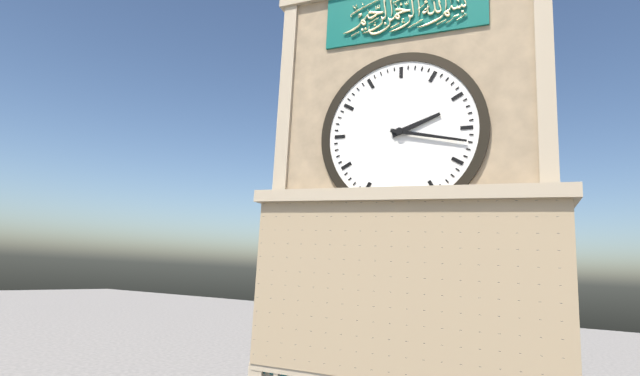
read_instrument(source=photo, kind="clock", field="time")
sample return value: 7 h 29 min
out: 2 h 17 min
